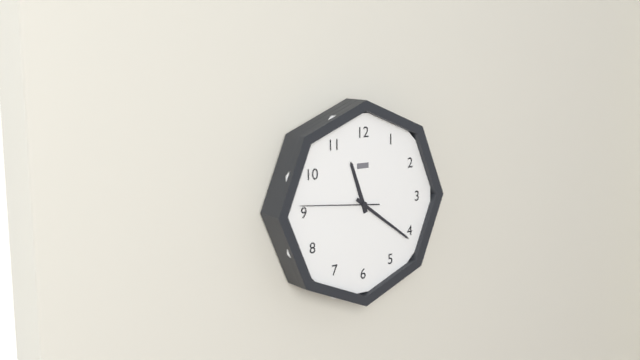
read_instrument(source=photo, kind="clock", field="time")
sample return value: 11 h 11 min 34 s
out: 11 h 21 min 46 s
